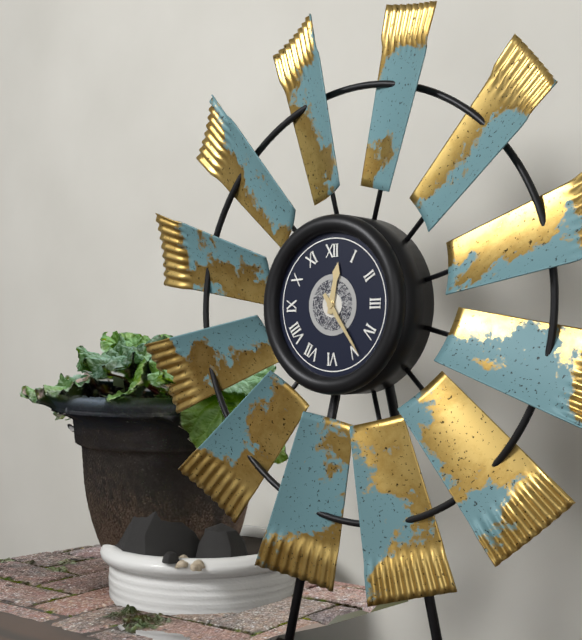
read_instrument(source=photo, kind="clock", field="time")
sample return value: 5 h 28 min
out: 12 h 24 min
